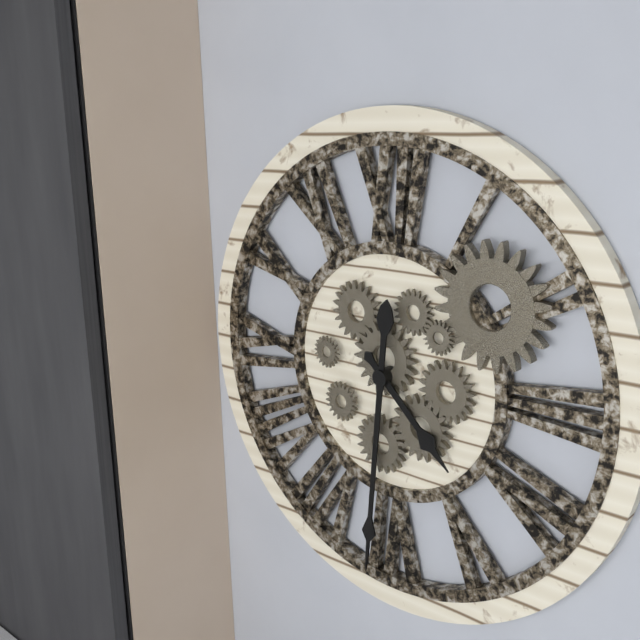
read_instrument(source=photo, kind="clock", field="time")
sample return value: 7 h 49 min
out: 4 h 31 min
